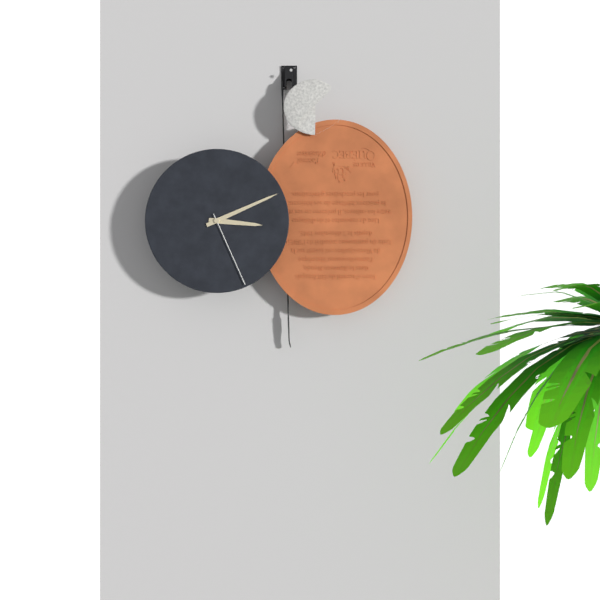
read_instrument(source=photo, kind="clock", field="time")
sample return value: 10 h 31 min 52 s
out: 3 h 11 min 26 s
